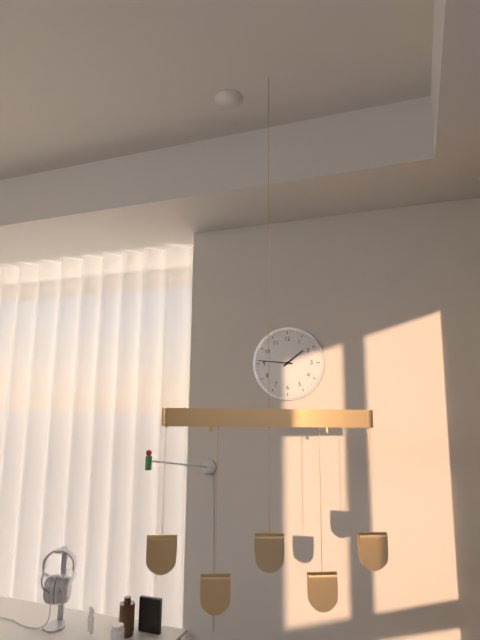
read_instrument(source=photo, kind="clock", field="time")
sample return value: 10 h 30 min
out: 1 h 46 min
